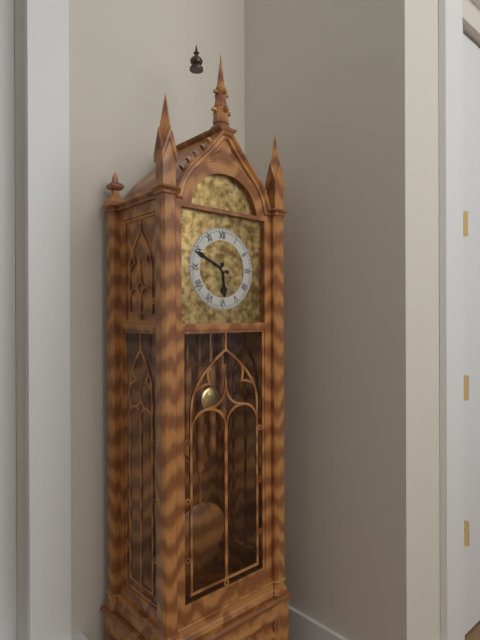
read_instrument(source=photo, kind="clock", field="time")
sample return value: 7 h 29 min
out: 5 h 49 min
